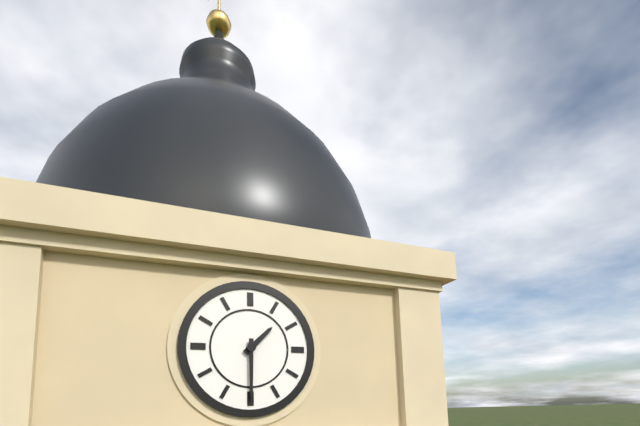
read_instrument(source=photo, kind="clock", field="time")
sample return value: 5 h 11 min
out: 1 h 30 min
